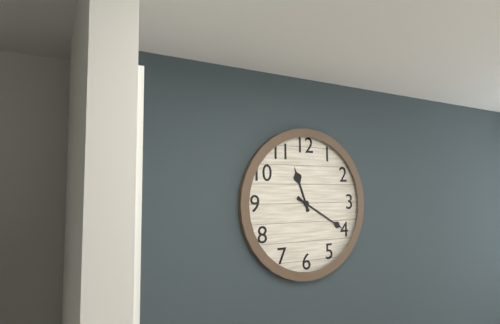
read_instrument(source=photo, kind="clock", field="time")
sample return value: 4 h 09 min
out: 11 h 20 min
